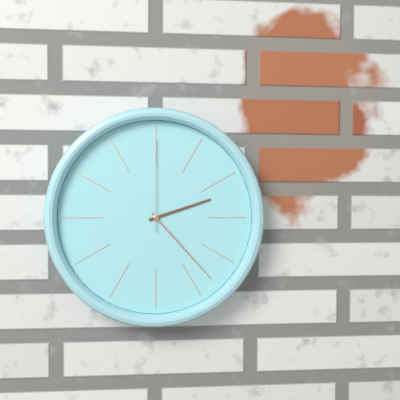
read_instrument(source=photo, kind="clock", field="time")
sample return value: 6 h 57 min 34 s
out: 2 h 23 min 00 s
